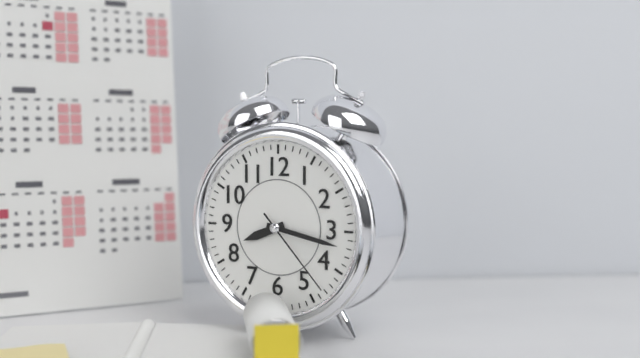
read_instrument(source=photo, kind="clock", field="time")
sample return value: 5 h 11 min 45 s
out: 8 h 17 min 23 s
